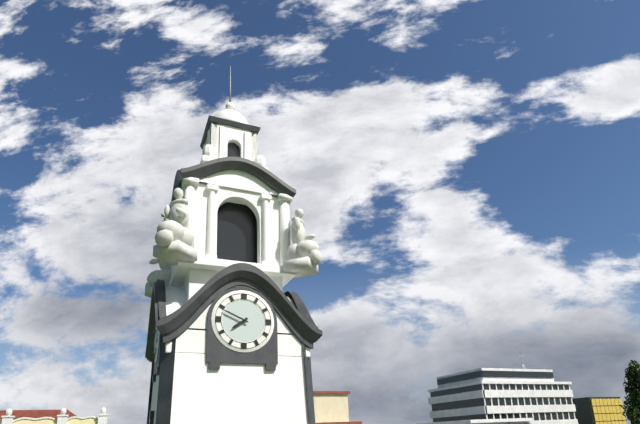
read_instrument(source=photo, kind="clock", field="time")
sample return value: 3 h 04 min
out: 7 h 49 min
